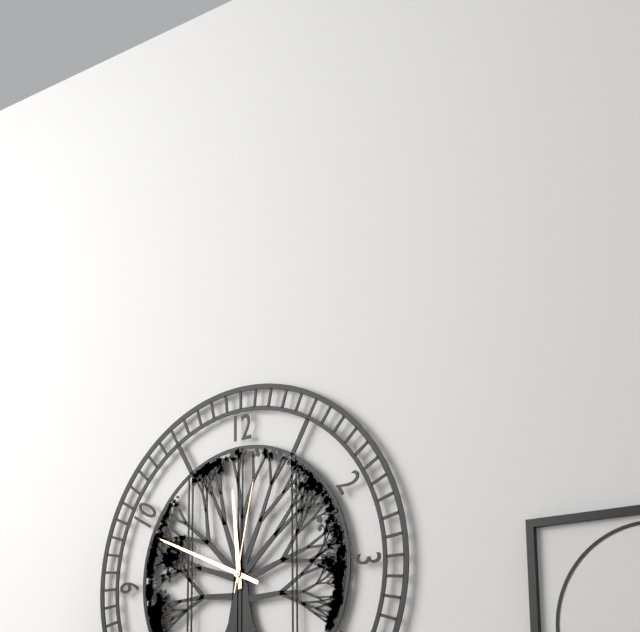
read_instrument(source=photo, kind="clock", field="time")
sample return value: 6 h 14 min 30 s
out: 11 h 49 min 02 s
